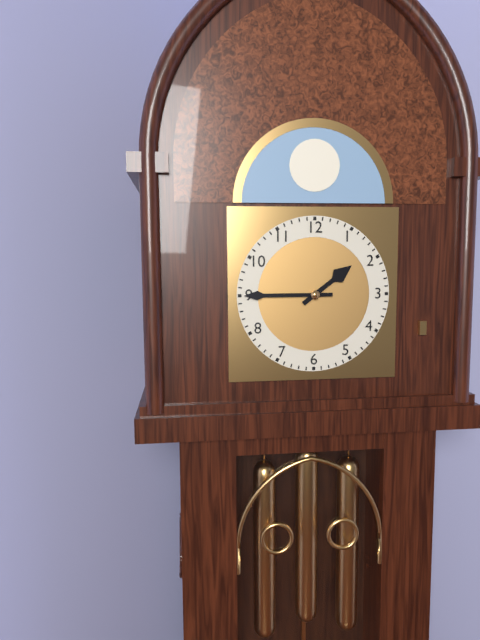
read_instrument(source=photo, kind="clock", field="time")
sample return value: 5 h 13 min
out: 1 h 45 min
